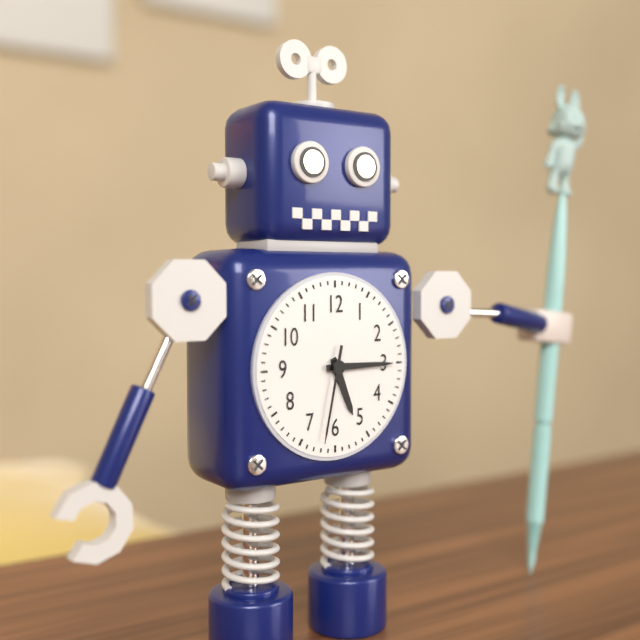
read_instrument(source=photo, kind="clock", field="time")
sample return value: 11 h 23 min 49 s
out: 5 h 15 min 32 s
